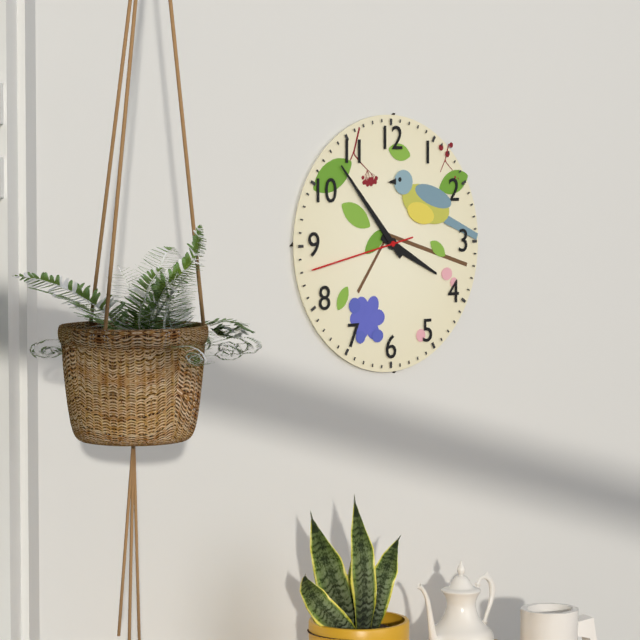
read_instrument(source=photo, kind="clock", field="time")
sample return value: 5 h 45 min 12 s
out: 3 h 53 min 43 s
